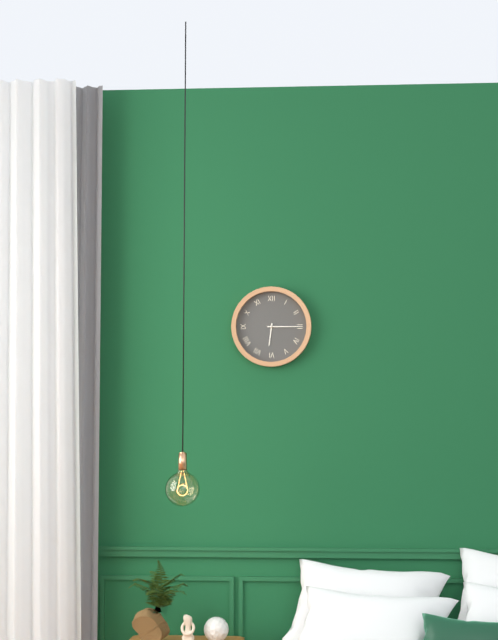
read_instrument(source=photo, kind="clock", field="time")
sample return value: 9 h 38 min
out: 6 h 15 min
